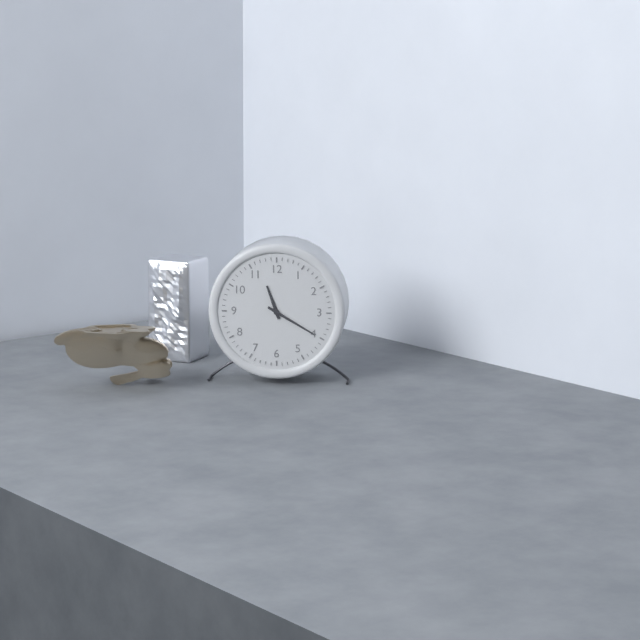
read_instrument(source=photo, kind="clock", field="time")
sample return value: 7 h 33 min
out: 11 h 20 min
